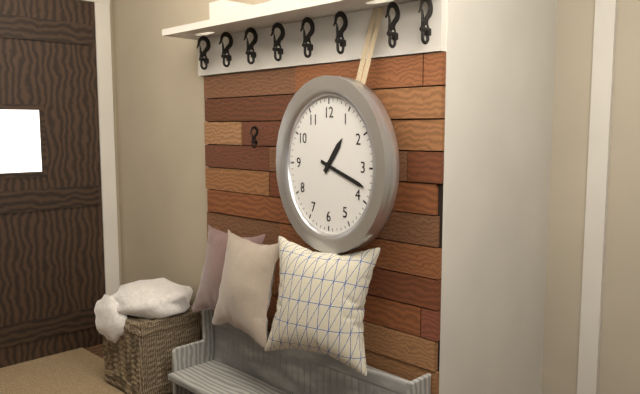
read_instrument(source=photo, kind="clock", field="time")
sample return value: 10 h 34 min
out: 1 h 18 min
